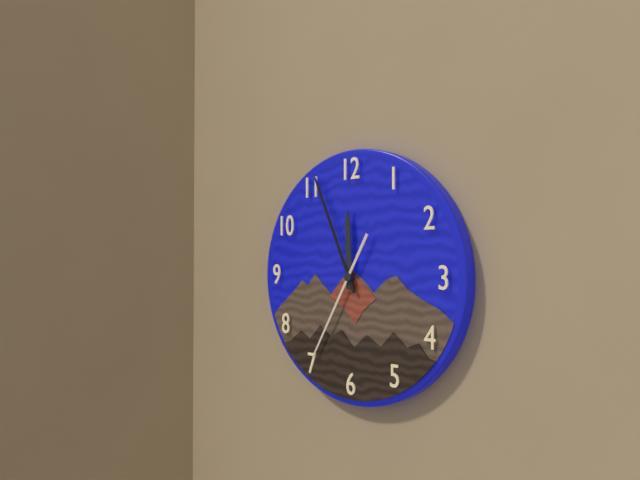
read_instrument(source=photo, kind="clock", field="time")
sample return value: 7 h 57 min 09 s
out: 11 h 56 min 35 s
